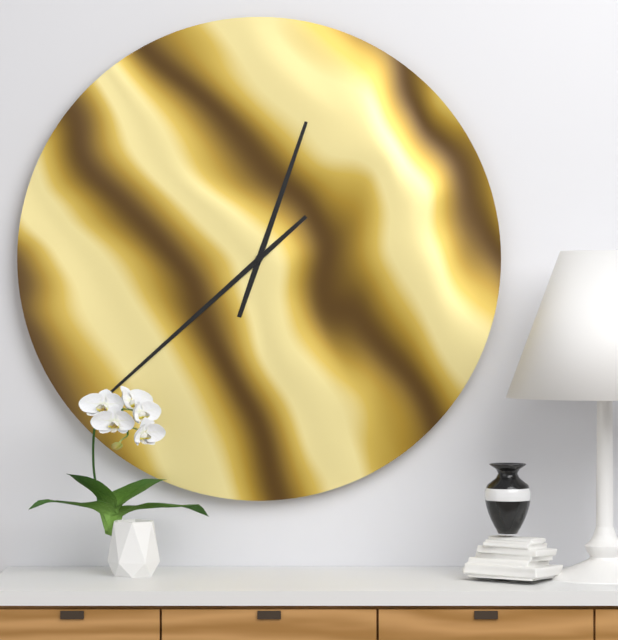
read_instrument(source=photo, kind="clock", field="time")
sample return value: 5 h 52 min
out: 12 h 38 min
